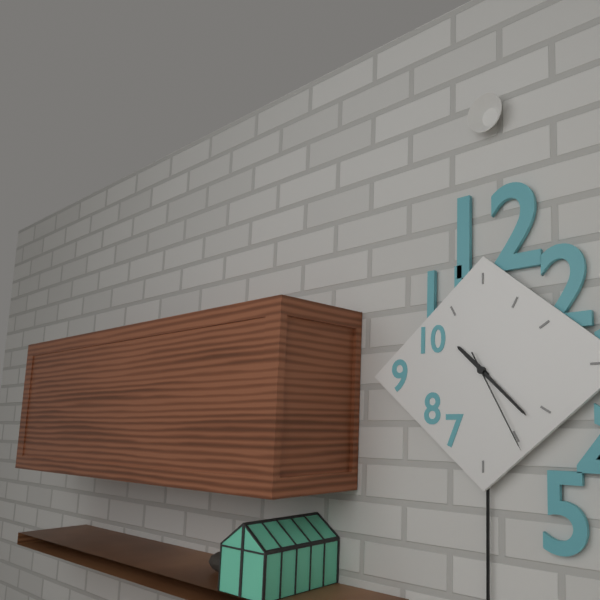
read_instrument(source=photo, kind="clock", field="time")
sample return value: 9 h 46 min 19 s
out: 10 h 22 min 25 s
